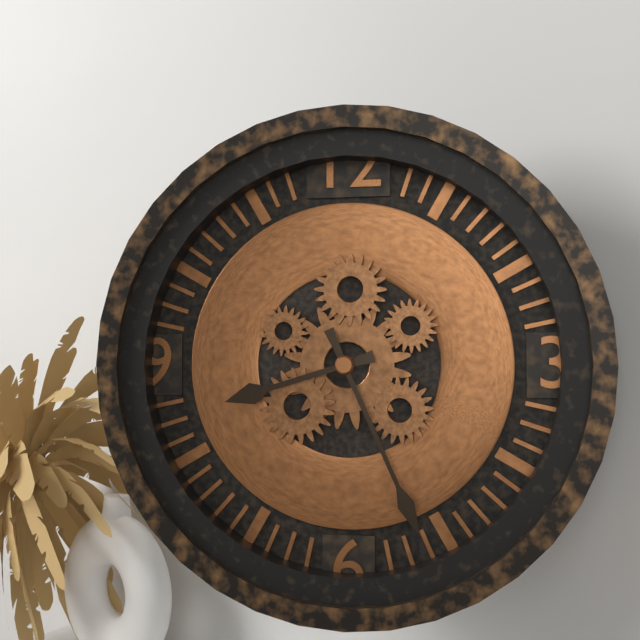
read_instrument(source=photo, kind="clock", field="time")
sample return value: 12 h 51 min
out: 8 h 26 min
